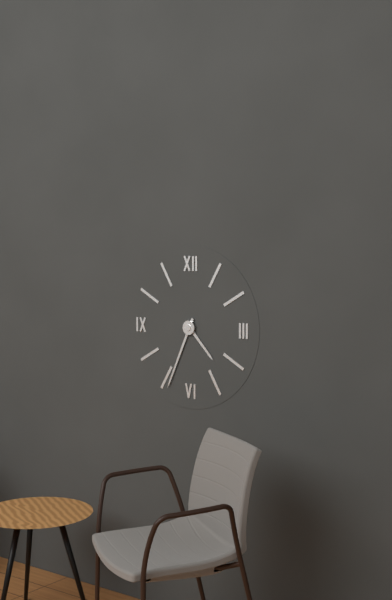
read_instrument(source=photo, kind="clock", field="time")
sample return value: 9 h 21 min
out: 4 h 34 min
